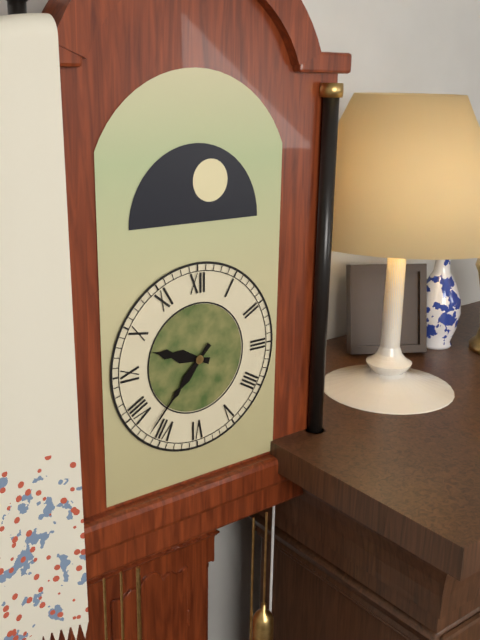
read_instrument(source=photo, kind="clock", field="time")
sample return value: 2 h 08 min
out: 9 h 37 min
